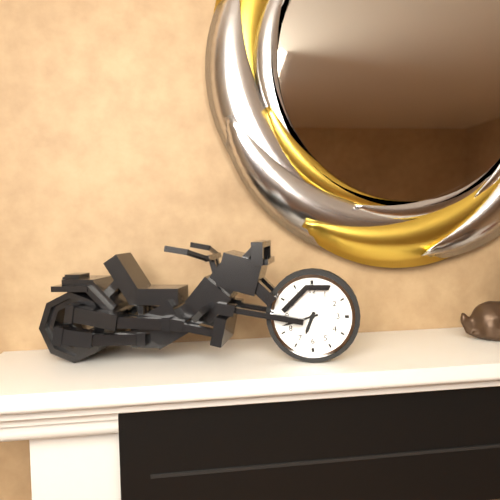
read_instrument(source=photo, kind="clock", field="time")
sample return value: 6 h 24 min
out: 6 h 42 min
